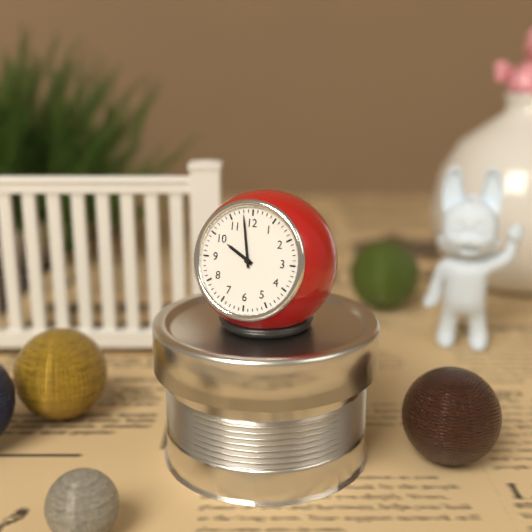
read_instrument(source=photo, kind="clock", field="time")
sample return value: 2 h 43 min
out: 9 h 58 min
